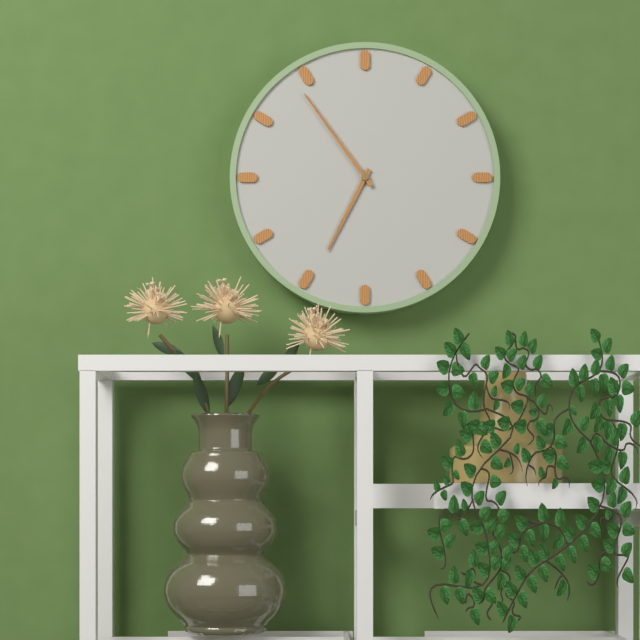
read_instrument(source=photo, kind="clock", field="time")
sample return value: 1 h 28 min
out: 6 h 54 min
